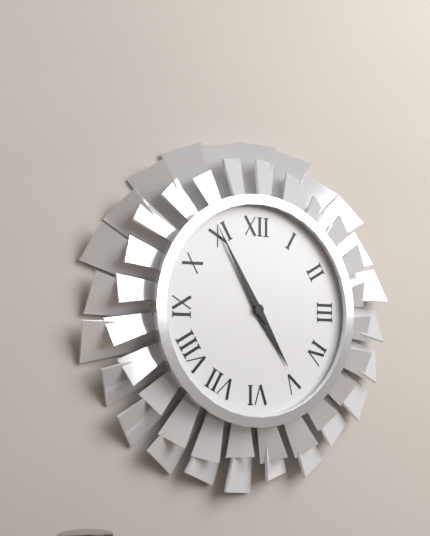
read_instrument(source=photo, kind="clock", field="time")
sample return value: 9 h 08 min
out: 4 h 55 min
